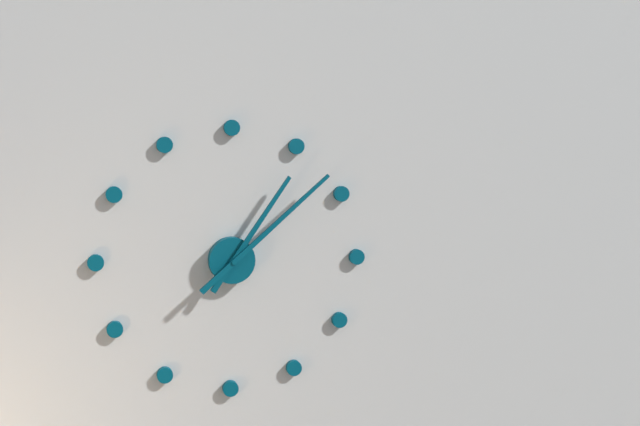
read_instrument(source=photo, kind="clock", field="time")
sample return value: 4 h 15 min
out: 1 h 08 min
